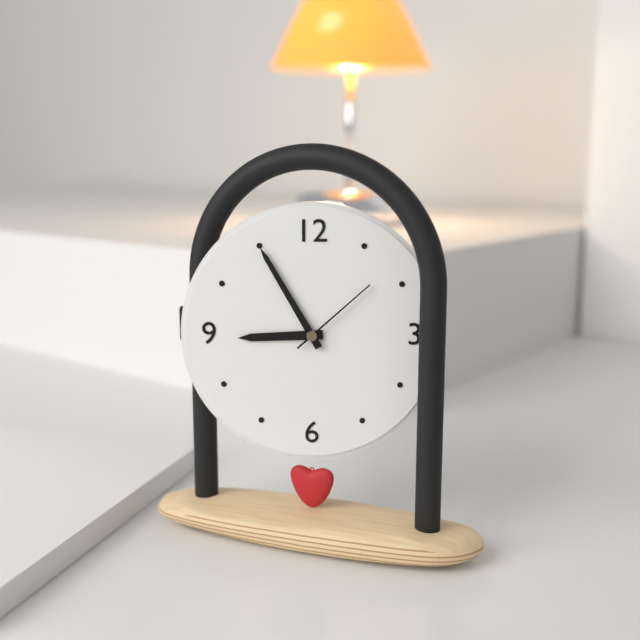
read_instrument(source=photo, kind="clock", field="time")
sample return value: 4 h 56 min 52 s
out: 8 h 55 min 08 s
